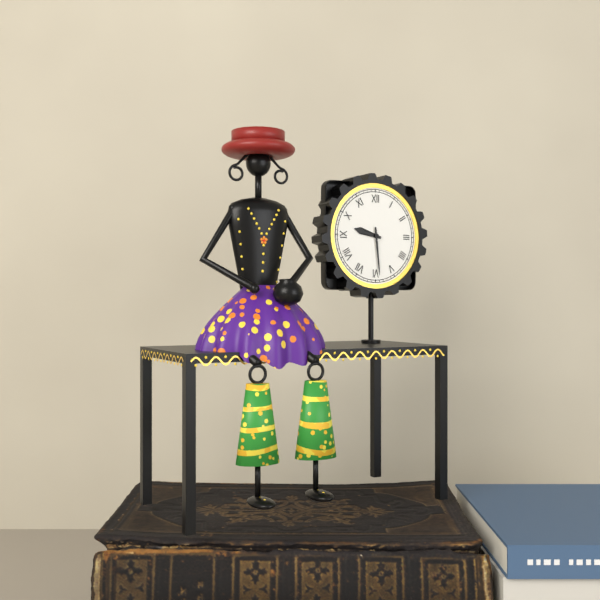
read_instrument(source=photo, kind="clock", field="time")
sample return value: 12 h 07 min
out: 9 h 29 min
